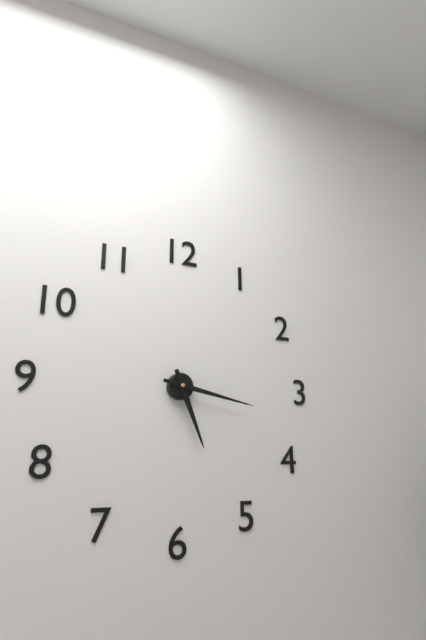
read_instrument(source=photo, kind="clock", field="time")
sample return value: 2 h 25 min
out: 5 h 17 min
